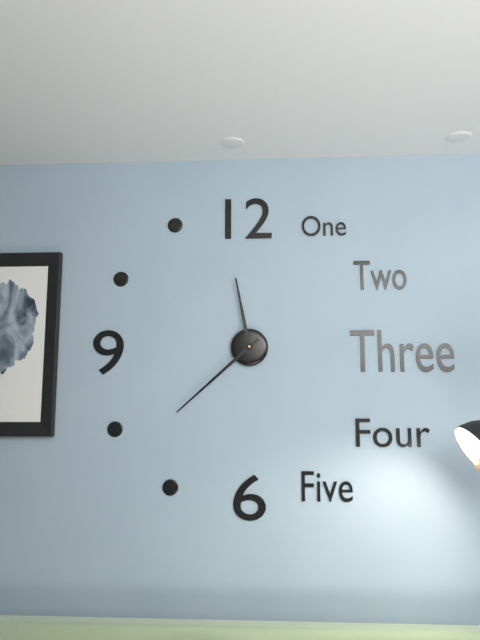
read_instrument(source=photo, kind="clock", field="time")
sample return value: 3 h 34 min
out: 11 h 38 min
